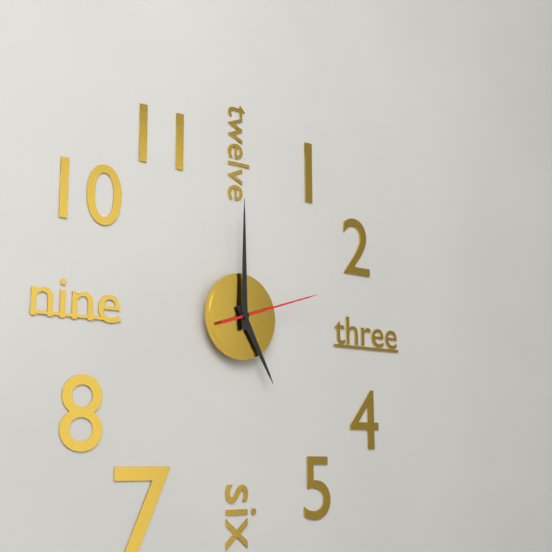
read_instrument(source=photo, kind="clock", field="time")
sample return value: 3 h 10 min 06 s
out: 5 h 00 min 12 s
